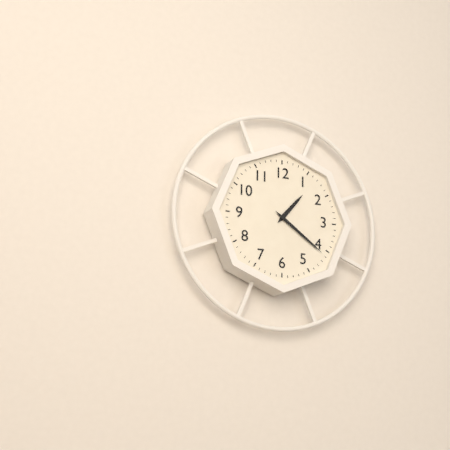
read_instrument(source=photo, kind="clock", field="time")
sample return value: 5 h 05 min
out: 1 h 21 min
